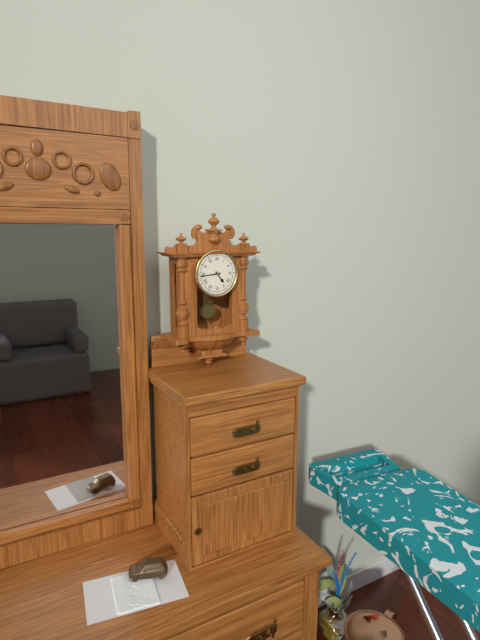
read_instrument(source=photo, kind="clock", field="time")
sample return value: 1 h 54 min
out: 4 h 44 min
